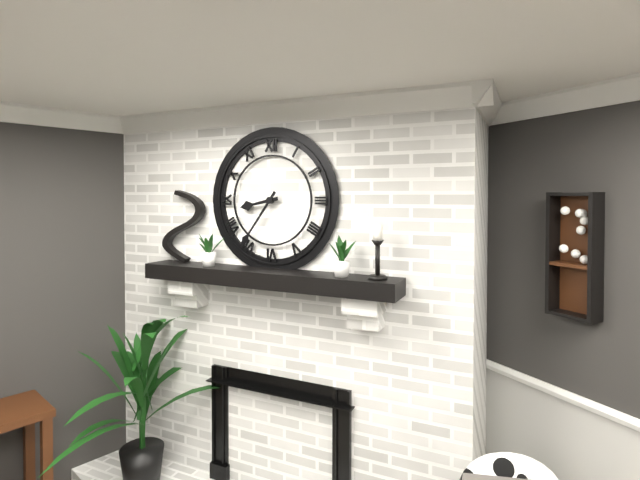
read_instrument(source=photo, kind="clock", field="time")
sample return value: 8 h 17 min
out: 8 h 36 min
